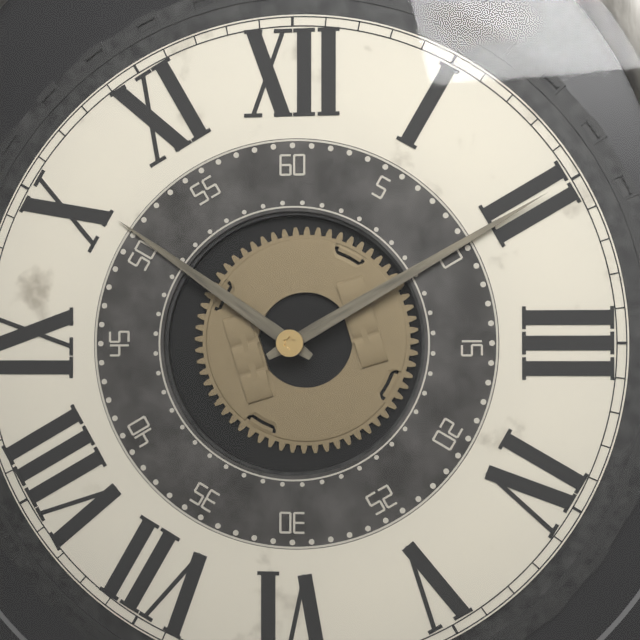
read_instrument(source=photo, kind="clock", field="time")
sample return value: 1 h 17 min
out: 10 h 10 min
